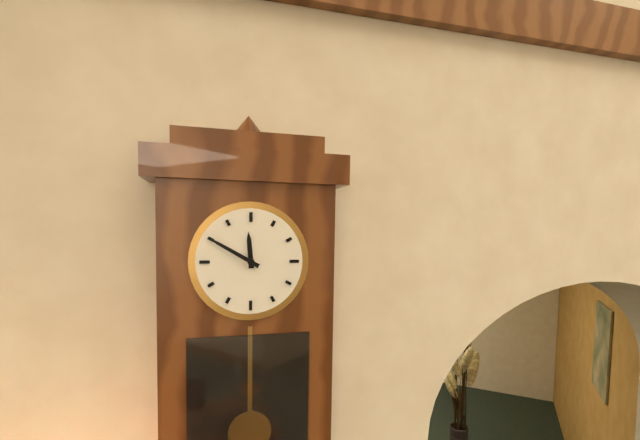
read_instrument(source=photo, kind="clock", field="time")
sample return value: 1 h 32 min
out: 11 h 50 min
